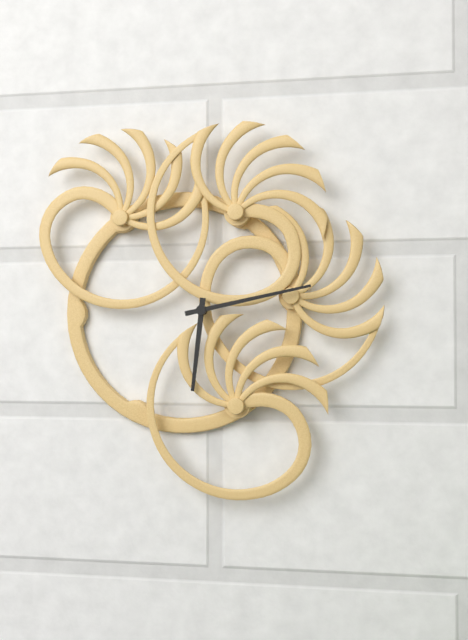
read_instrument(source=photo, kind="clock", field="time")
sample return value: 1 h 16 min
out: 6 h 13 min
